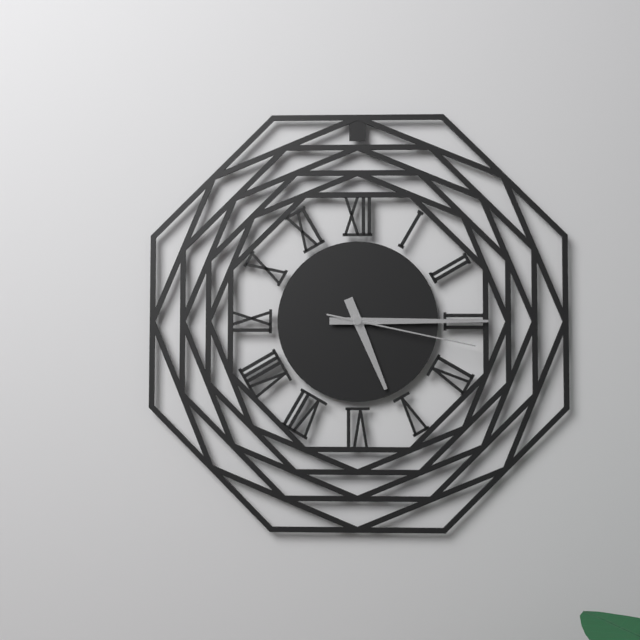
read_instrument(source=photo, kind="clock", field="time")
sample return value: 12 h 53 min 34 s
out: 5 h 15 min 17 s
